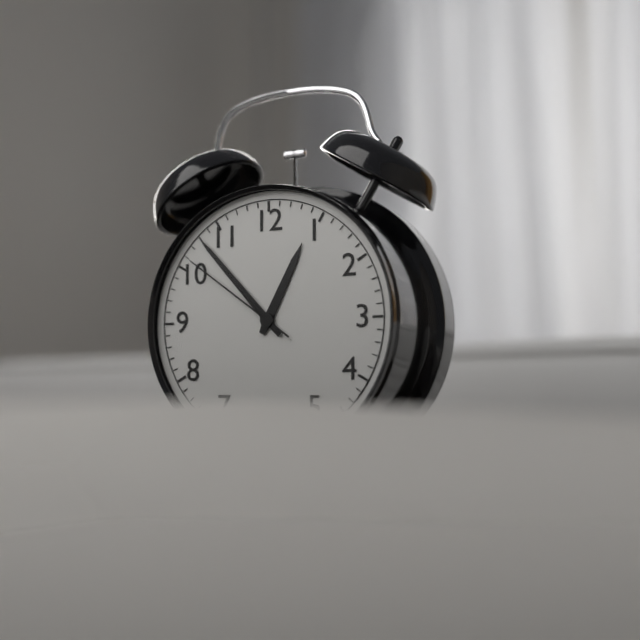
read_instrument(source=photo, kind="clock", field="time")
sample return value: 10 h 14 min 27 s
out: 12 h 53 min 51 s
